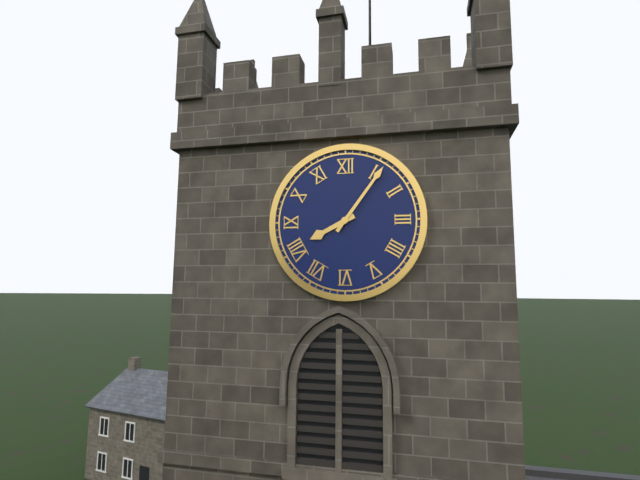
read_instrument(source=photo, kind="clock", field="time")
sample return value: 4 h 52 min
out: 8 h 06 min
